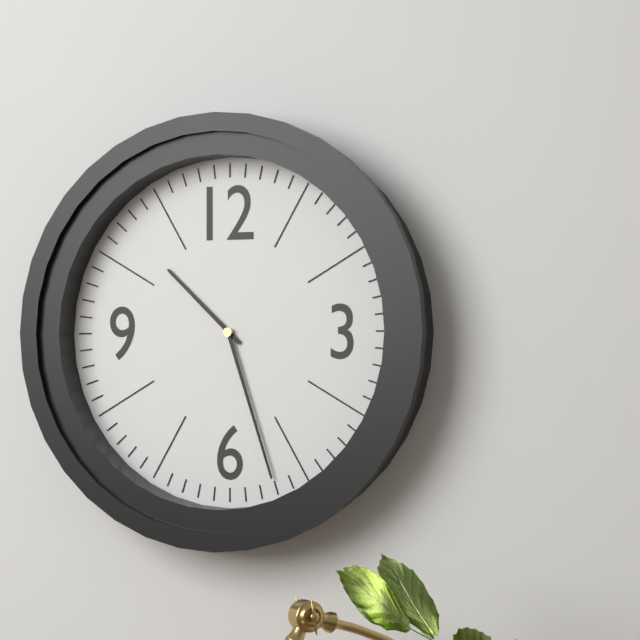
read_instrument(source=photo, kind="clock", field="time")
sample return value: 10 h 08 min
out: 10 h 27 min
